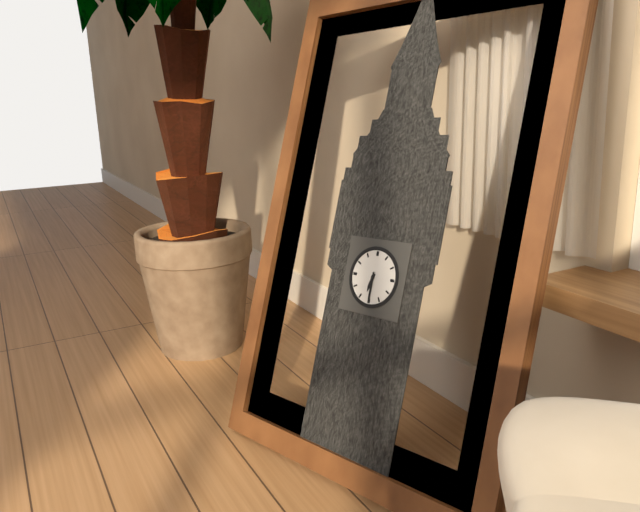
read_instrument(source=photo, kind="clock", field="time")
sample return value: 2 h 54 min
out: 6 h 30 min
